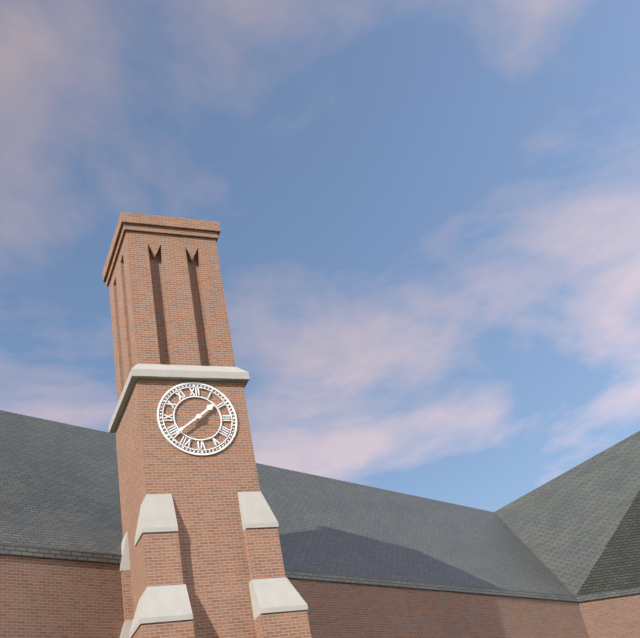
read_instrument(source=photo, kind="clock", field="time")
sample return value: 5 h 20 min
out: 1 h 39 min
